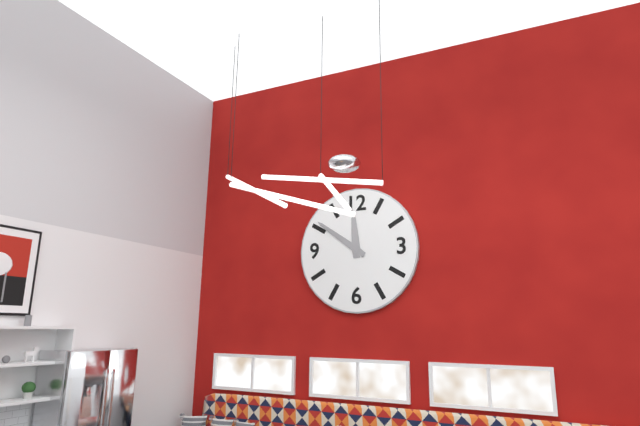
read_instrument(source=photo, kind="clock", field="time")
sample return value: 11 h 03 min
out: 11 h 51 min
